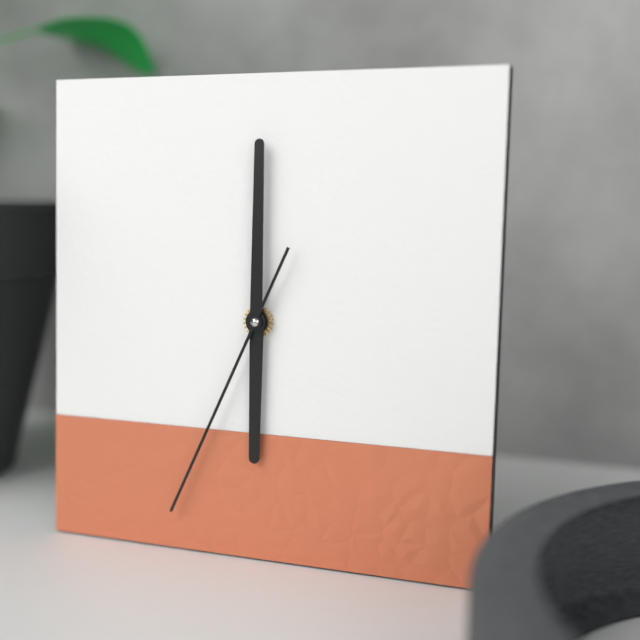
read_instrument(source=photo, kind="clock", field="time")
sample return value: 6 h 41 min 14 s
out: 6 h 00 min 34 s
